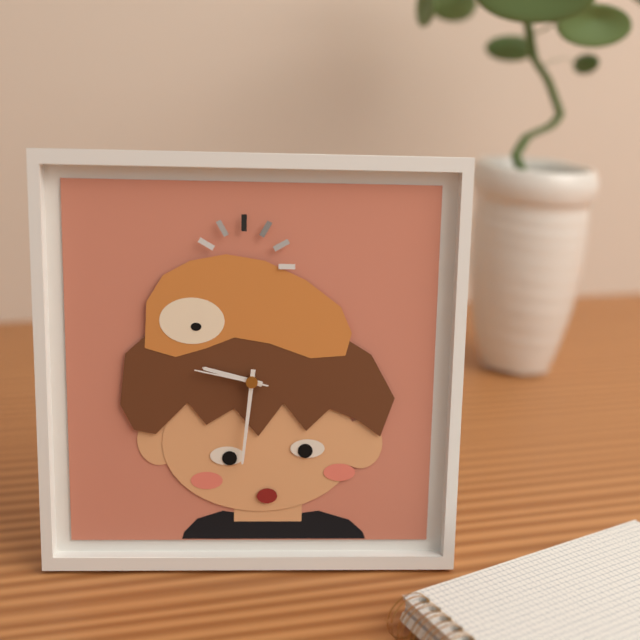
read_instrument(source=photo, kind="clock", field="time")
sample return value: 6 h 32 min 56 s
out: 9 h 31 min 47 s
